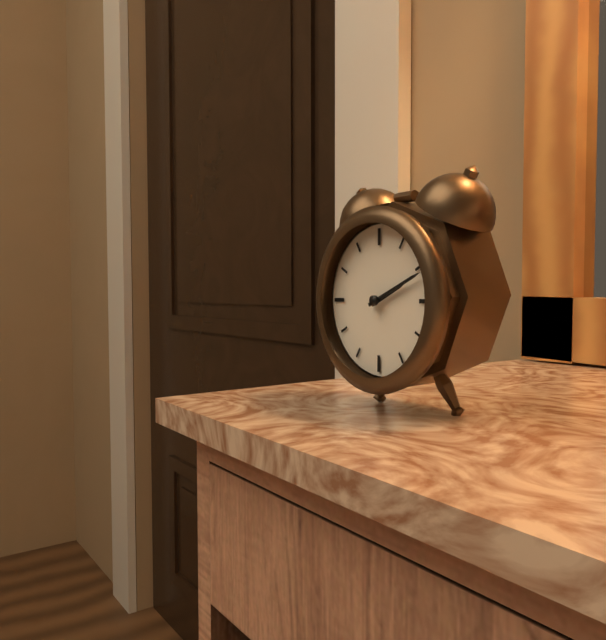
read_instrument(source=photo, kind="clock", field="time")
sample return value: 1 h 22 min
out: 2 h 11 min
